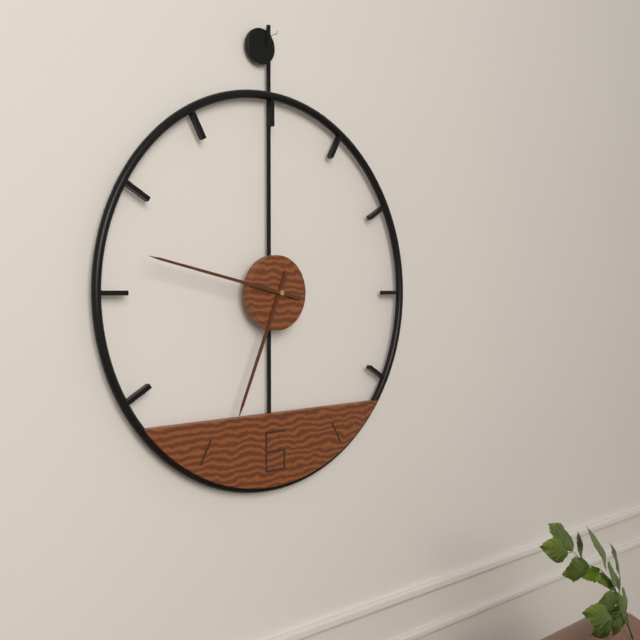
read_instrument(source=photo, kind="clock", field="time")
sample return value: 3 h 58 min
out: 6 h 47 min
